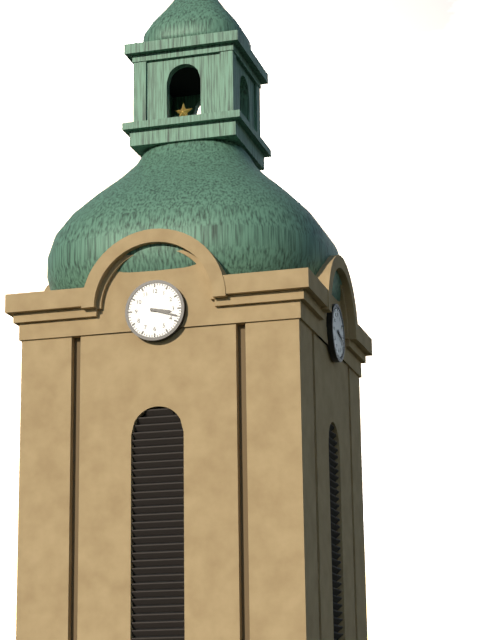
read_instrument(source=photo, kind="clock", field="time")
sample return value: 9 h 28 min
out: 3 h 18 min
